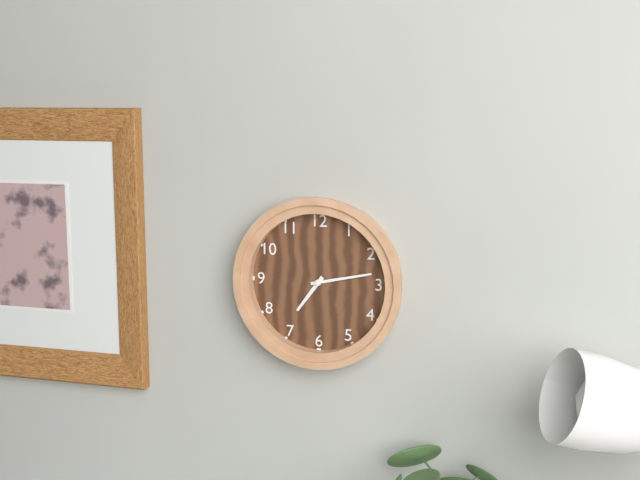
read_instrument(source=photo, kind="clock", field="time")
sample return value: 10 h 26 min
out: 7 h 13 min
